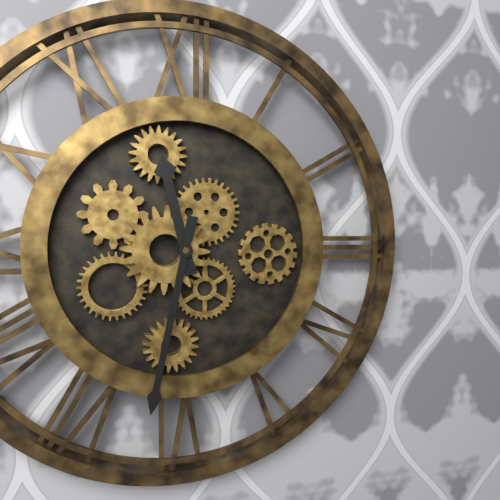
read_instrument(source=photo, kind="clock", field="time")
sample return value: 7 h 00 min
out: 11 h 32 min
